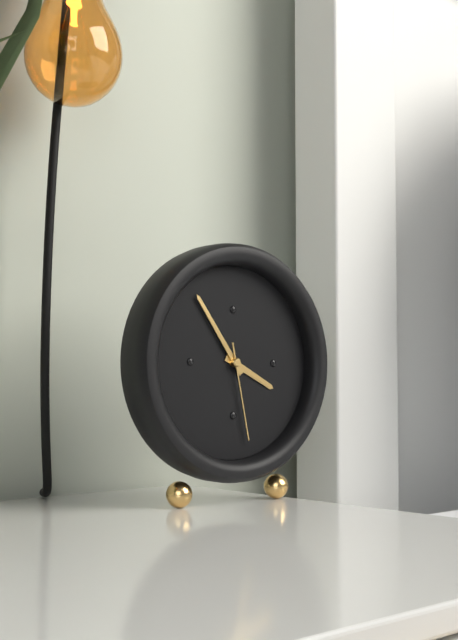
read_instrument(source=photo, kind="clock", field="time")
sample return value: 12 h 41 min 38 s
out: 3 h 54 min 28 s
